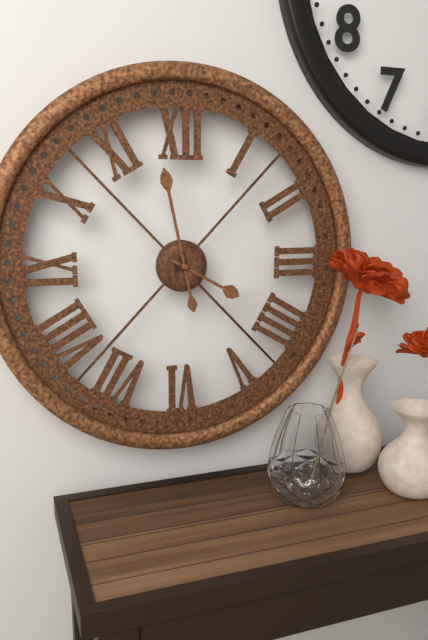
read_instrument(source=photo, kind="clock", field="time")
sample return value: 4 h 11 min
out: 3 h 58 min
